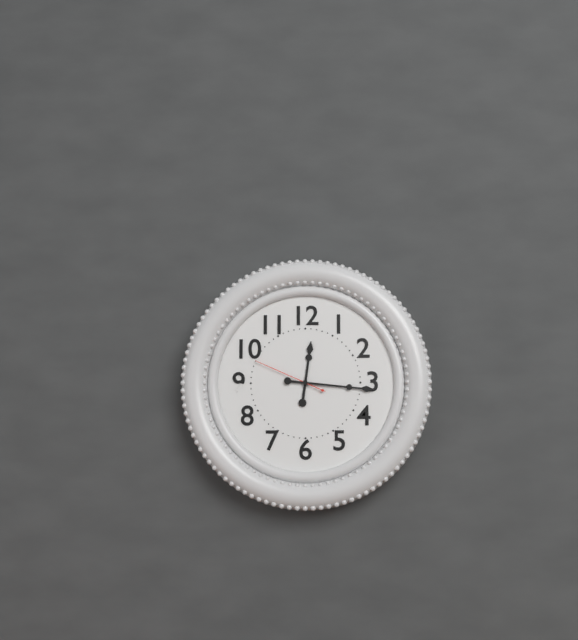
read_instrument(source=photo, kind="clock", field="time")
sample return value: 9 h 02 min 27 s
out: 12 h 16 min 49 s
